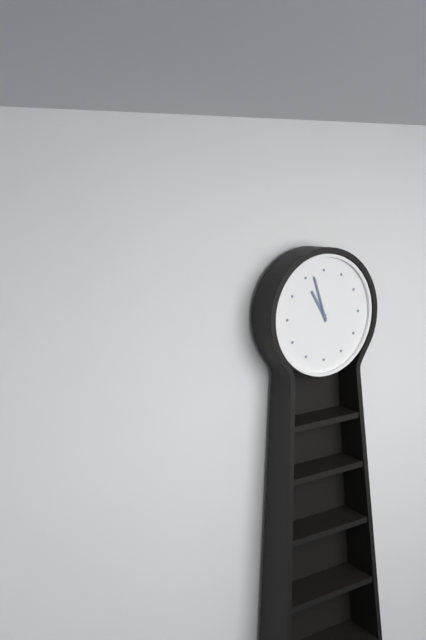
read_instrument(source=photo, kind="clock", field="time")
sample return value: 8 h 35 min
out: 10 h 57 min
